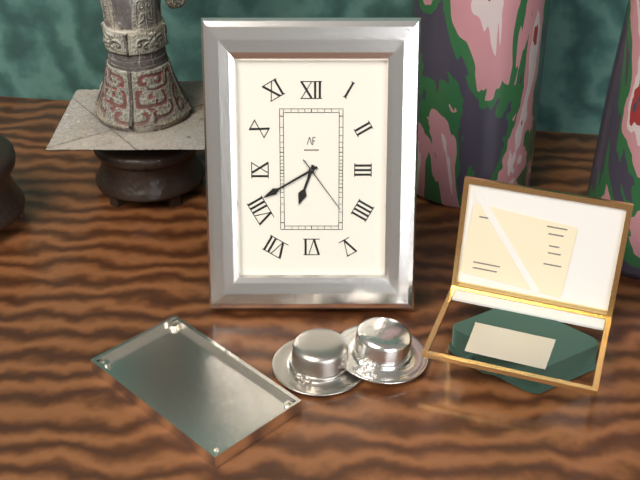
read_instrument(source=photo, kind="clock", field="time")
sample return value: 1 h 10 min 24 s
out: 6 h 40 min 24 s
